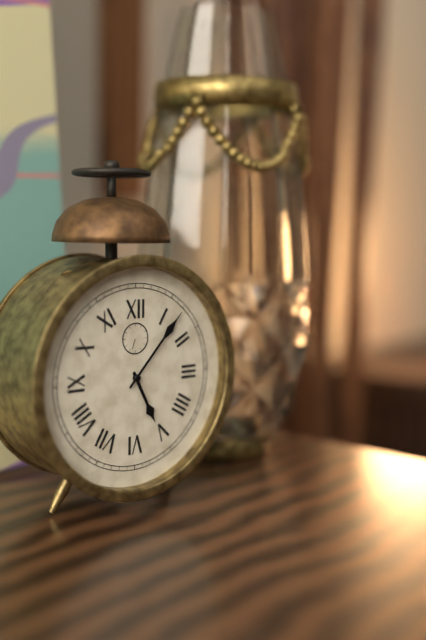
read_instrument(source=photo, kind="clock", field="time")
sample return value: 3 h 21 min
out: 5 h 07 min
